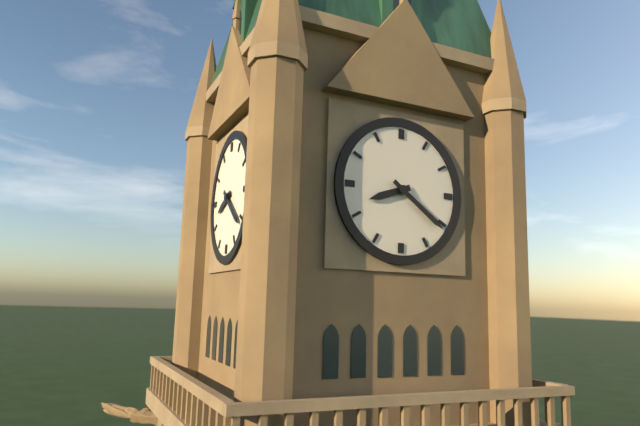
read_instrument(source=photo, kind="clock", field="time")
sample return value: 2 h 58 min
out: 8 h 21 min
